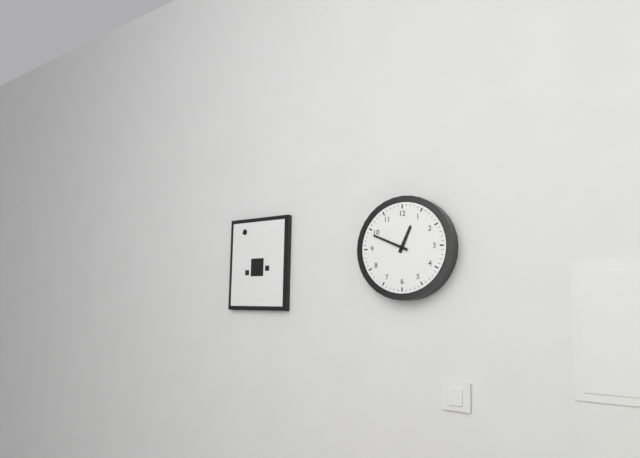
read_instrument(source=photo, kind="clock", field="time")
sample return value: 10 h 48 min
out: 12 h 49 min
